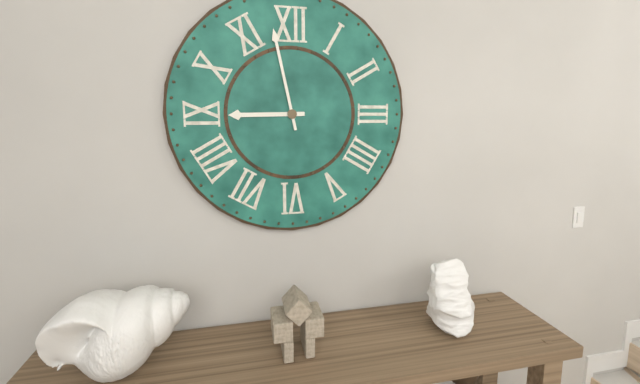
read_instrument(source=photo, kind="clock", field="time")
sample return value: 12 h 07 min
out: 8 h 58 min
